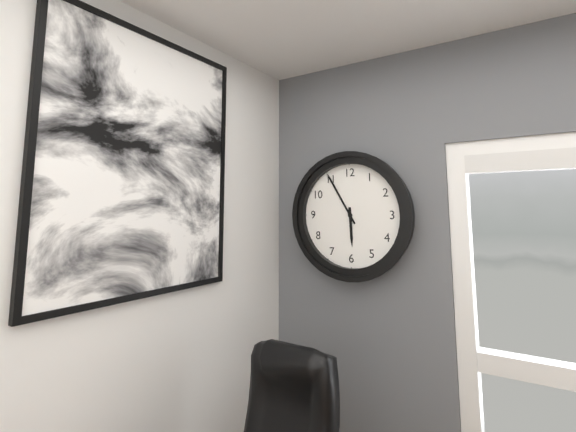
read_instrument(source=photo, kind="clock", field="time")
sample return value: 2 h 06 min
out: 5 h 55 min
